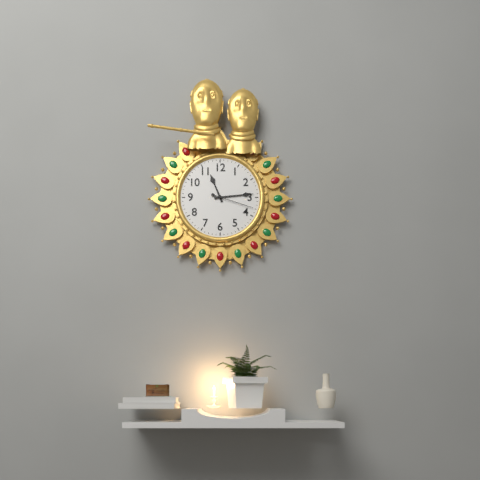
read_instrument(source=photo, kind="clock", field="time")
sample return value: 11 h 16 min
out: 11 h 14 min
